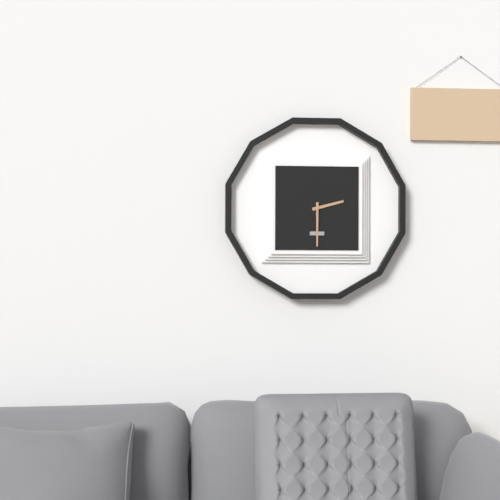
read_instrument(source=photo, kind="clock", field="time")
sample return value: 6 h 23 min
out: 2 h 30 min
